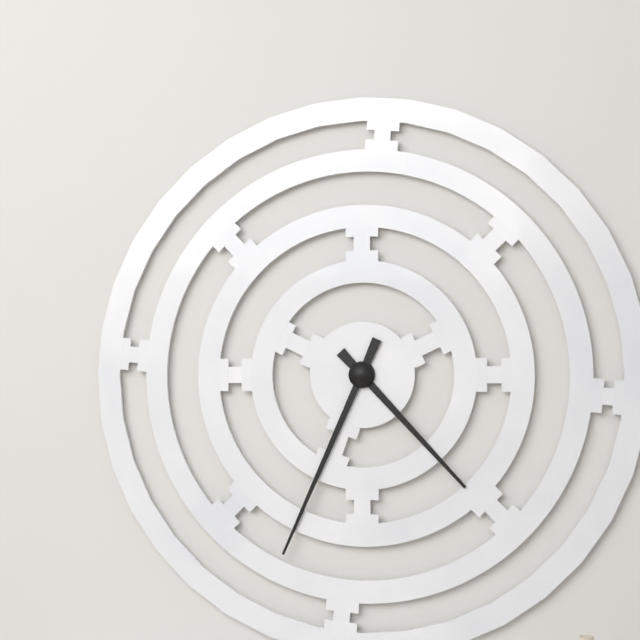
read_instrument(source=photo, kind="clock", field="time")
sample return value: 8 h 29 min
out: 4 h 34 min
